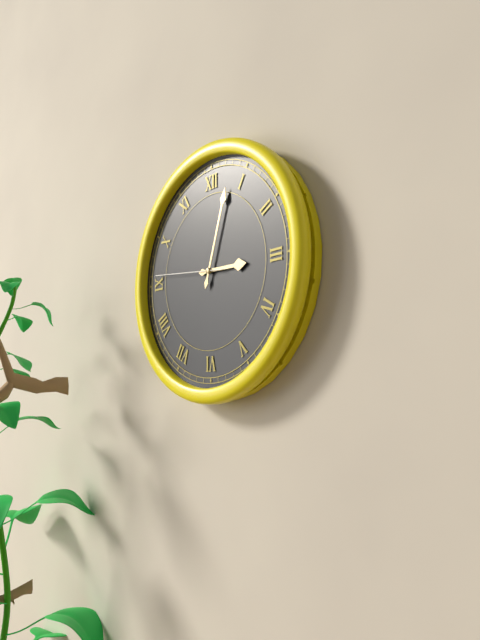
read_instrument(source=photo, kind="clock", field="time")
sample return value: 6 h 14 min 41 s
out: 3 h 03 min 46 s
